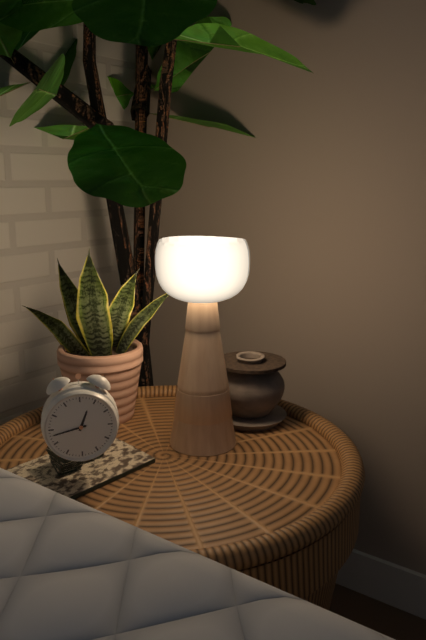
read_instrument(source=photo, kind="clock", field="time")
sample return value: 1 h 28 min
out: 12 h 43 min
